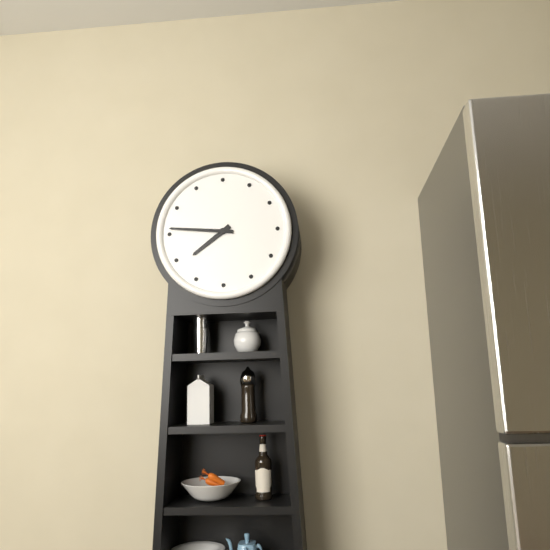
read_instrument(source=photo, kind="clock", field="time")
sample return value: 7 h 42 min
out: 7 h 46 min
